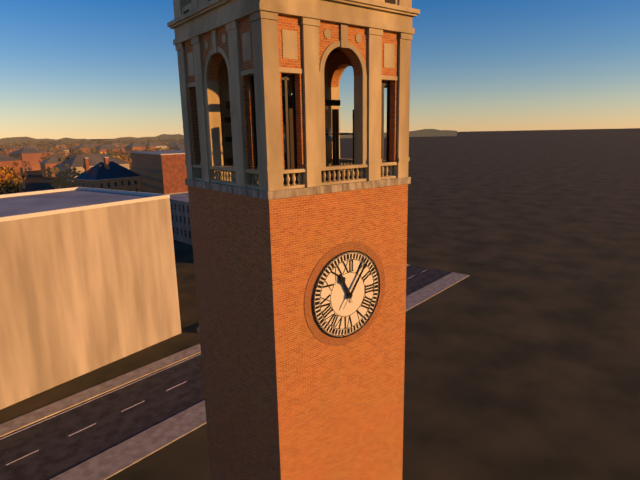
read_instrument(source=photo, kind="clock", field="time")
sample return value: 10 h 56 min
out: 11 h 06 min
